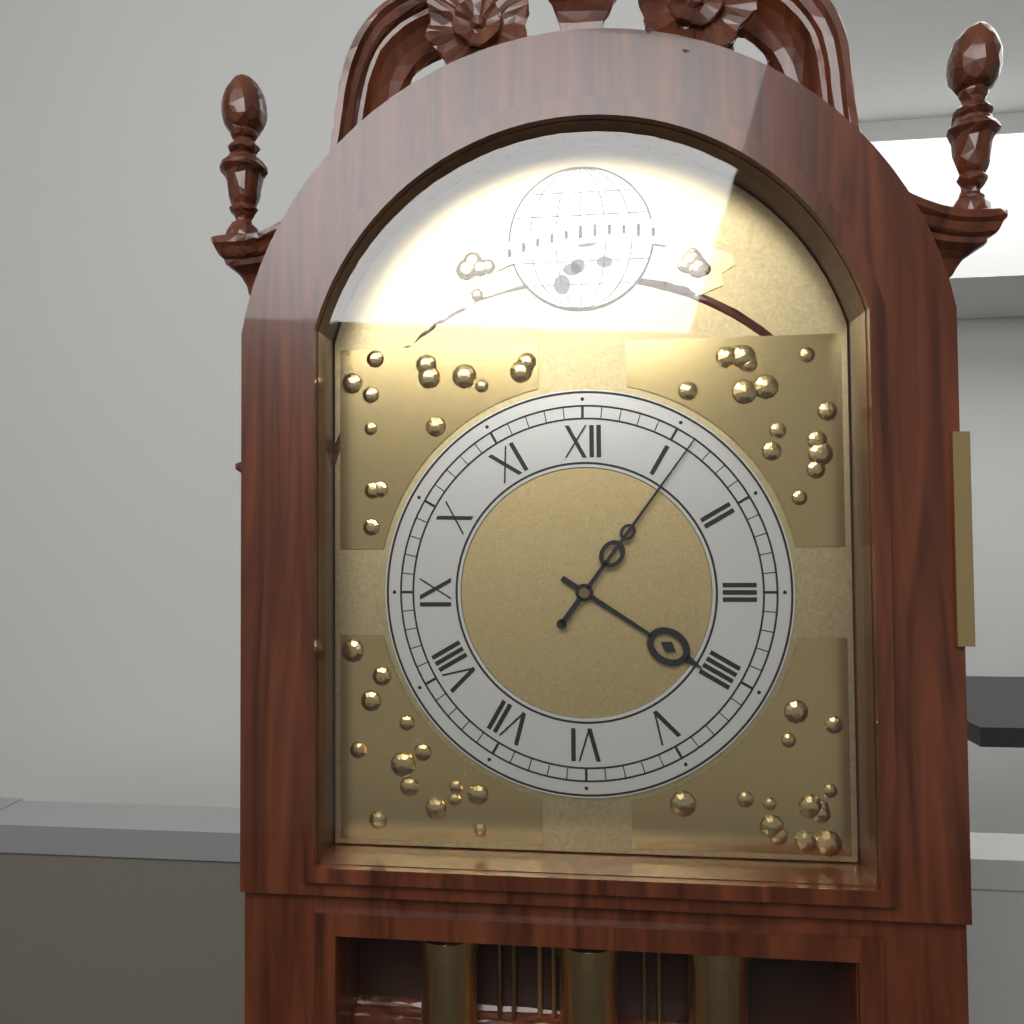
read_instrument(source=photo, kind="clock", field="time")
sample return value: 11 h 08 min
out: 4 h 06 min
